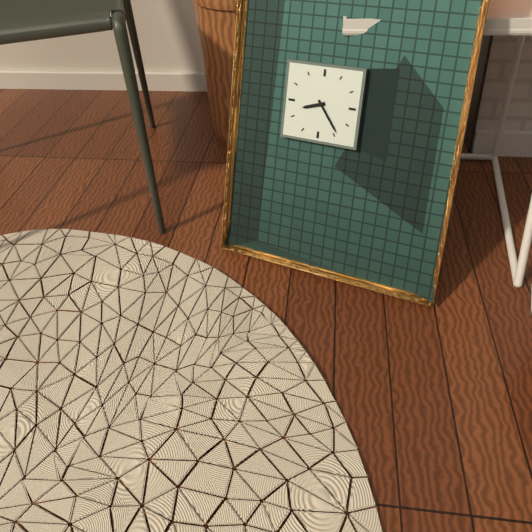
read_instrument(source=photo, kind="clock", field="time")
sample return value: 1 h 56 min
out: 8 h 24 min
